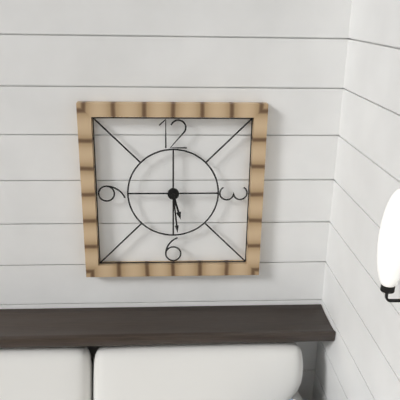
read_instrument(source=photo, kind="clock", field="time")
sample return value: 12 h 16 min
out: 5 h 29 min
